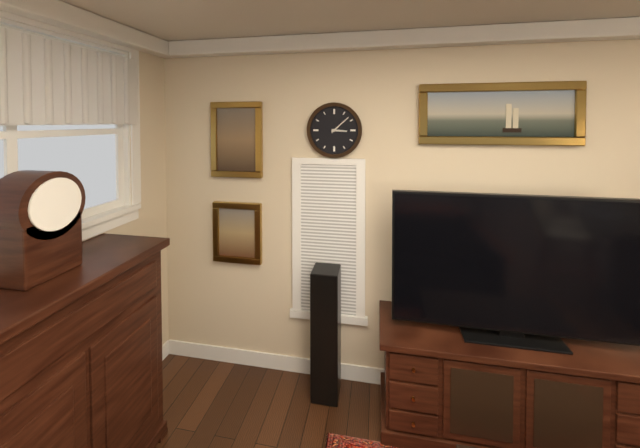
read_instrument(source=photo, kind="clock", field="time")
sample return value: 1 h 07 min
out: 3 h 08 min
